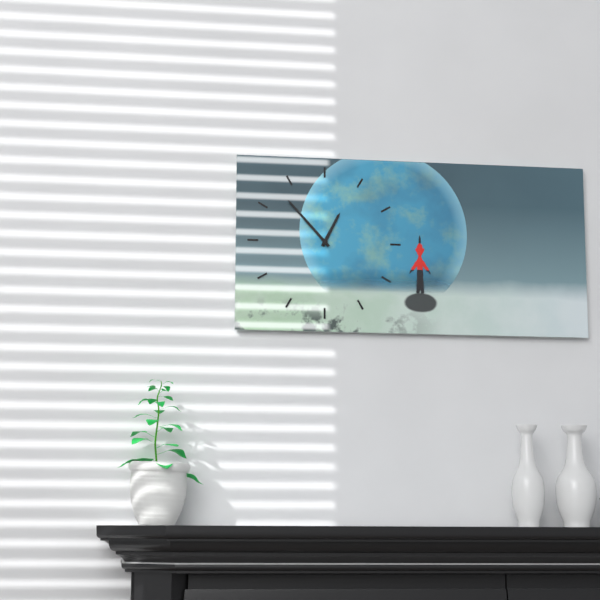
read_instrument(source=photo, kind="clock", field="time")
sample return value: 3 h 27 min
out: 12 h 53 min
